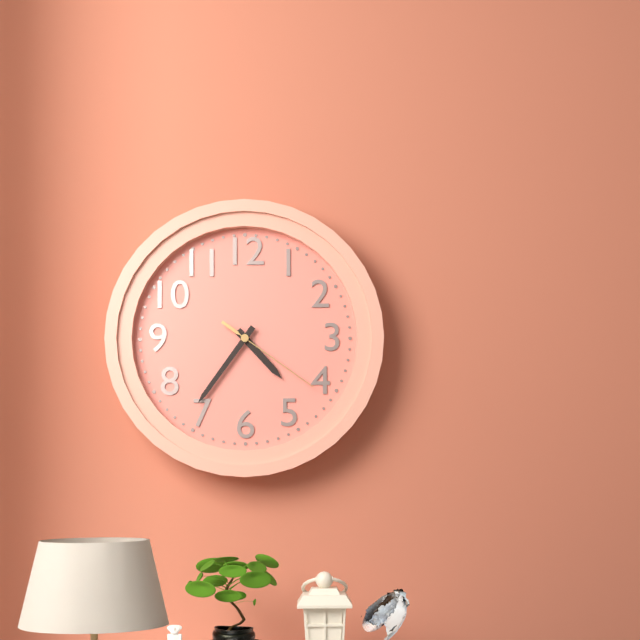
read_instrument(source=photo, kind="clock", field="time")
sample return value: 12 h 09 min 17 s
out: 4 h 36 min 21 s
